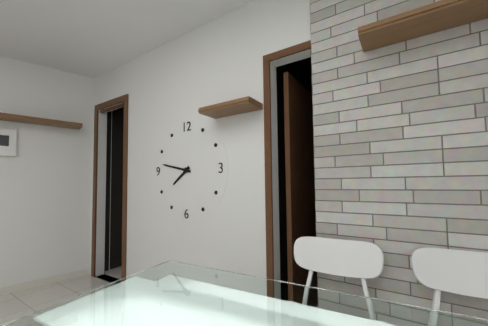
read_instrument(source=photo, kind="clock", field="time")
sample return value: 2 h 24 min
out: 7 h 47 min
